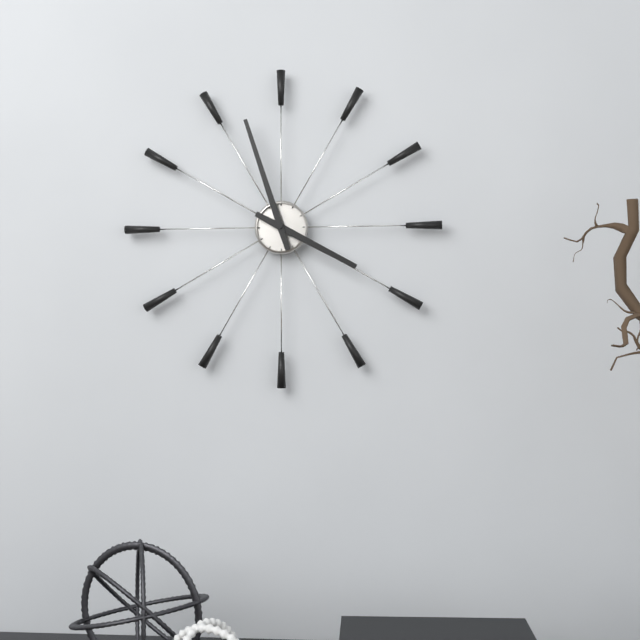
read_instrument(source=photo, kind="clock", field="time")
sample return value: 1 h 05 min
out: 3 h 57 min
